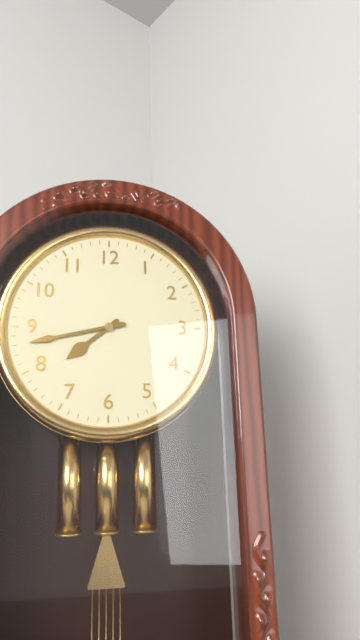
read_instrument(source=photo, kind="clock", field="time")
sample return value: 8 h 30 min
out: 7 h 43 min
